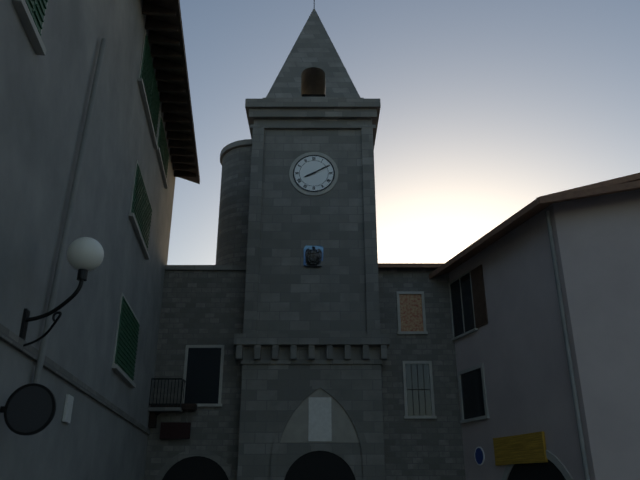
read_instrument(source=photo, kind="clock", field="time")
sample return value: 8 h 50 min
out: 8 h 10 min
